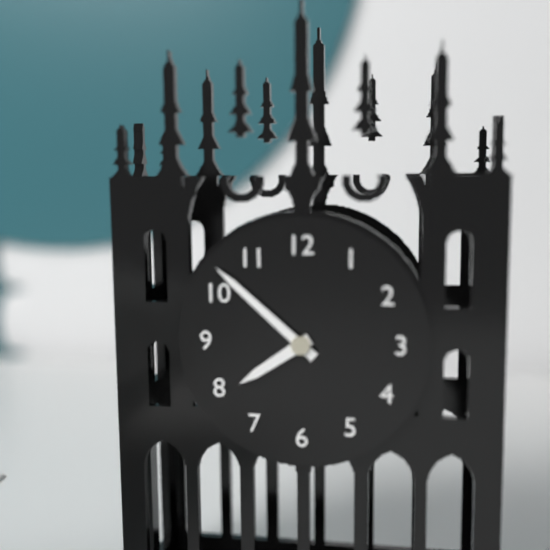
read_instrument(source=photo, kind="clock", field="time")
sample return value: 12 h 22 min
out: 7 h 52 min
